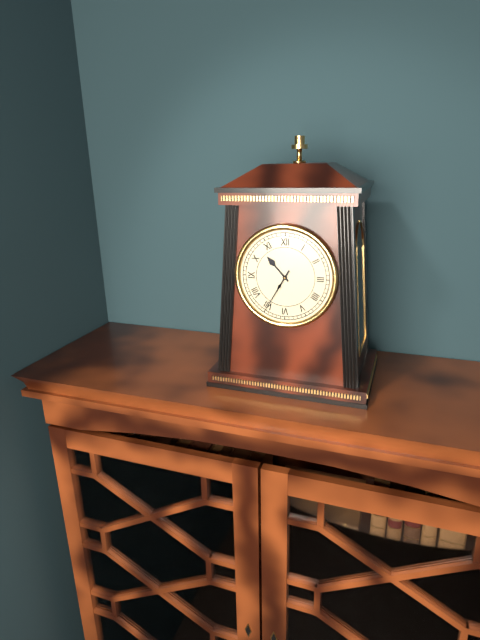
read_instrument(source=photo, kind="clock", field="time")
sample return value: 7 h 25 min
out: 10 h 35 min
